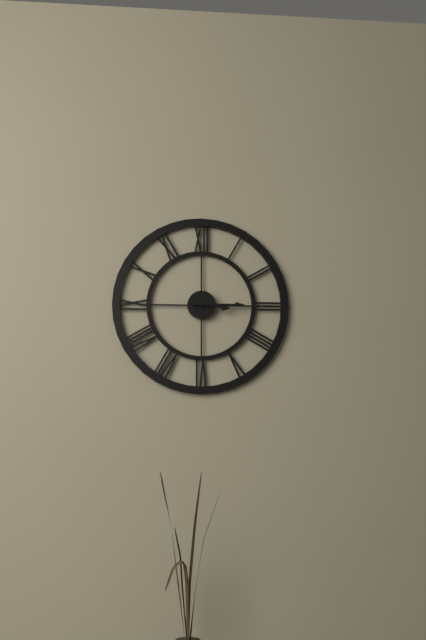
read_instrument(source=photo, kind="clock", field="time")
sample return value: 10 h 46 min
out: 3 h 15 min
